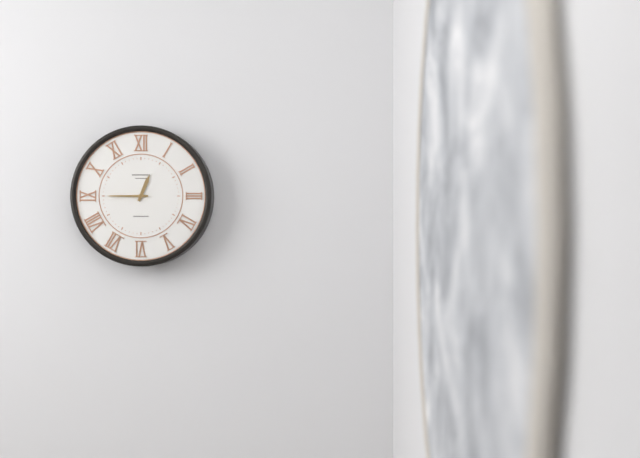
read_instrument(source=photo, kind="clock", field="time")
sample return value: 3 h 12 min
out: 12 h 45 min
